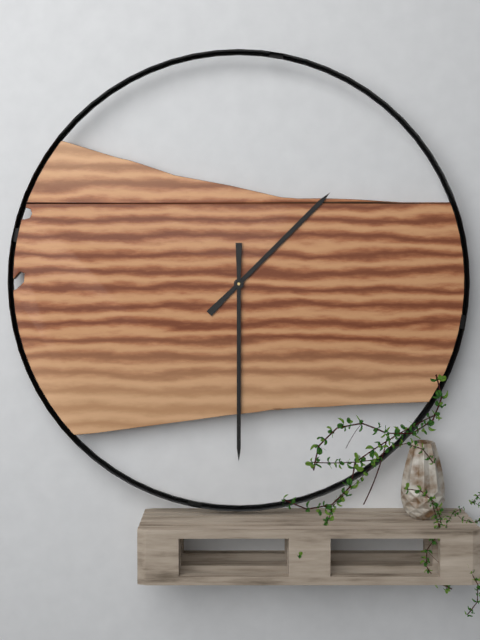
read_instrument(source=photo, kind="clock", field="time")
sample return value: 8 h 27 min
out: 1 h 30 min
